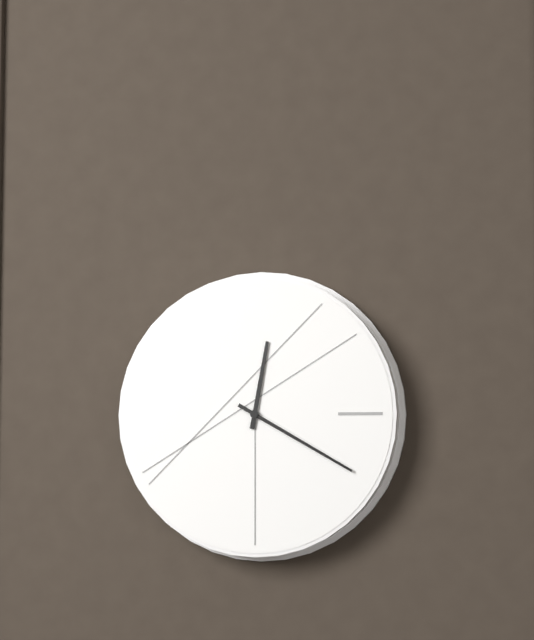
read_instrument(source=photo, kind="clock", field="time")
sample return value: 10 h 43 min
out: 12 h 20 min
